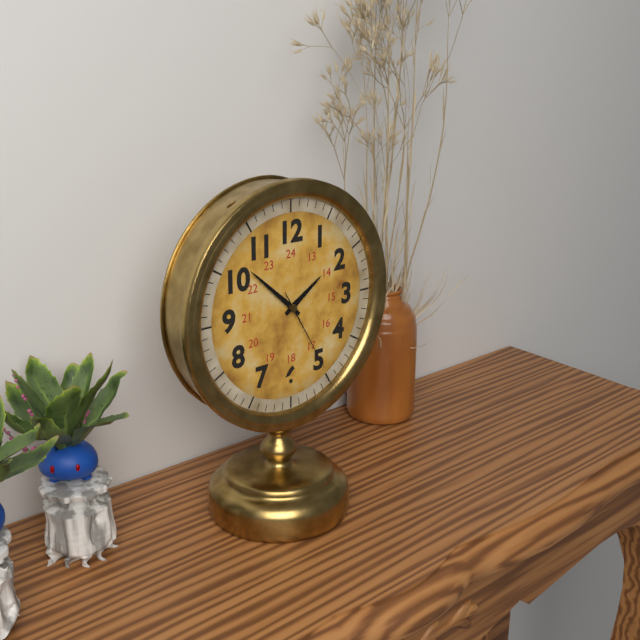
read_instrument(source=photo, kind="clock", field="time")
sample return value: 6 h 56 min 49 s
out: 1 h 52 min 25 s
